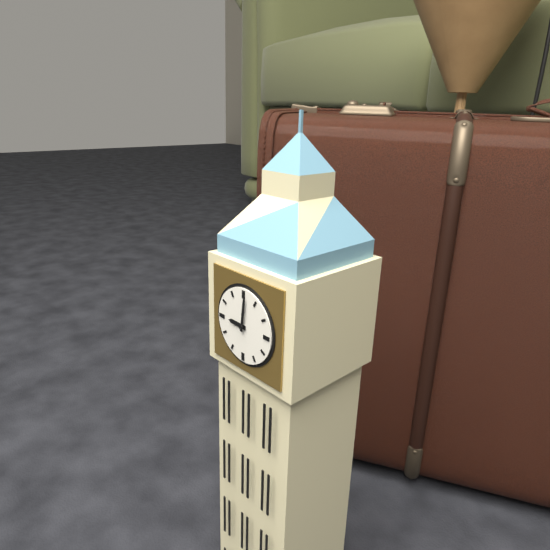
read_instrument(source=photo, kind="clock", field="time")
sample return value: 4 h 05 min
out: 9 h 01 min
